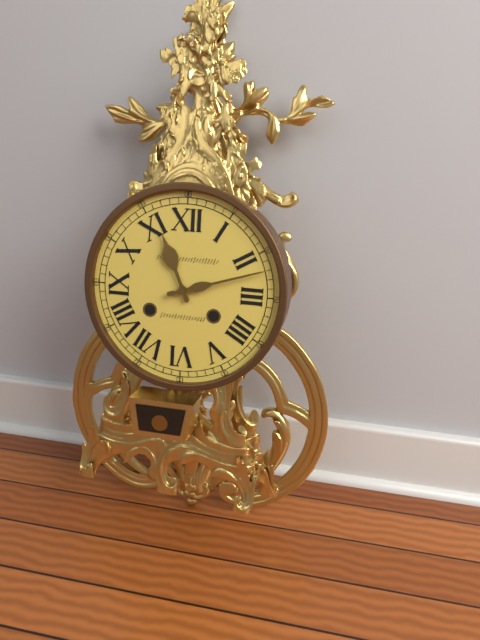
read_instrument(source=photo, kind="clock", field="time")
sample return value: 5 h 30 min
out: 11 h 12 min
